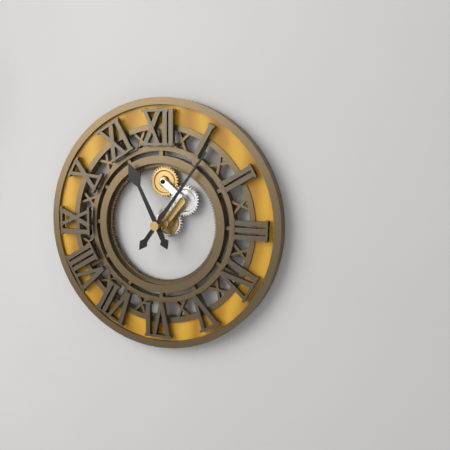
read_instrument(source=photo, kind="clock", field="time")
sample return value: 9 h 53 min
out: 11 h 06 min
